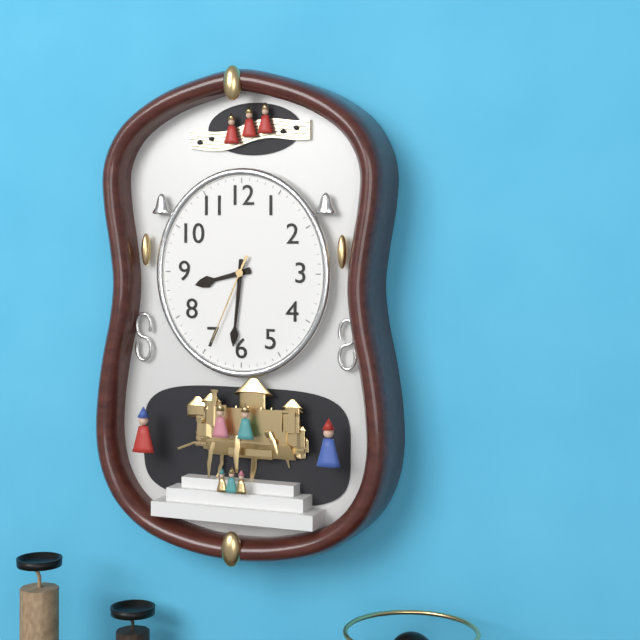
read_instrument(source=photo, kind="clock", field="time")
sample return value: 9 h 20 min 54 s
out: 8 h 31 min 34 s
